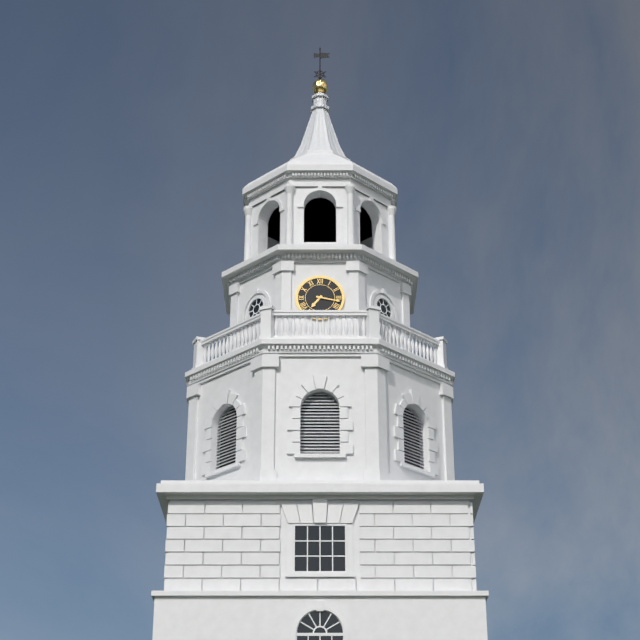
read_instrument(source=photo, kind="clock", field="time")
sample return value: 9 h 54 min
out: 7 h 17 min
